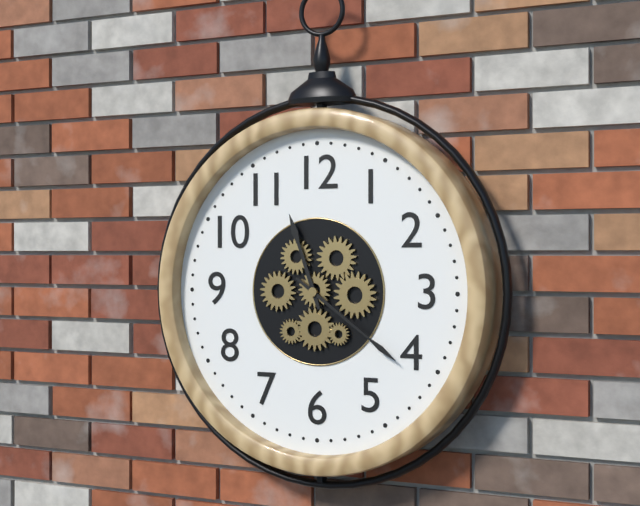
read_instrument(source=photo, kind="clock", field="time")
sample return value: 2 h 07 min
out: 11 h 21 min
